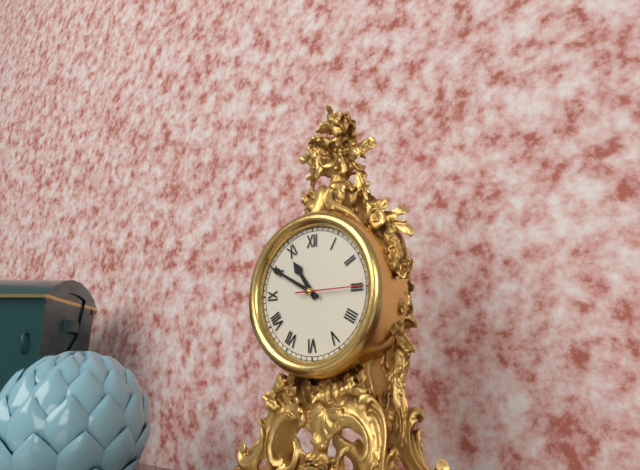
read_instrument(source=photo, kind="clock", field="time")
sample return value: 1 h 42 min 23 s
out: 10 h 50 min 15 s
